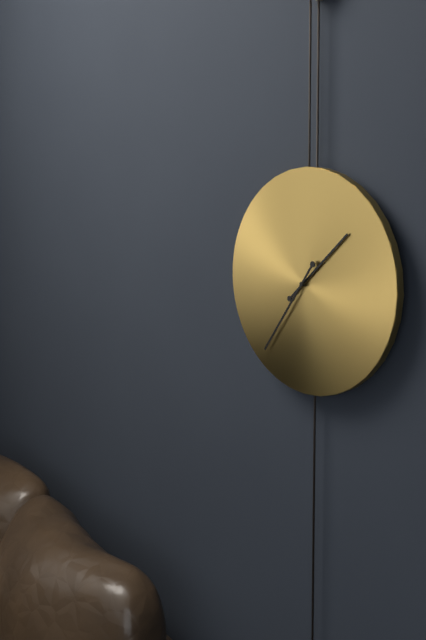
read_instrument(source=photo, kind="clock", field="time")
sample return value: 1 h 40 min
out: 1 h 36 min
